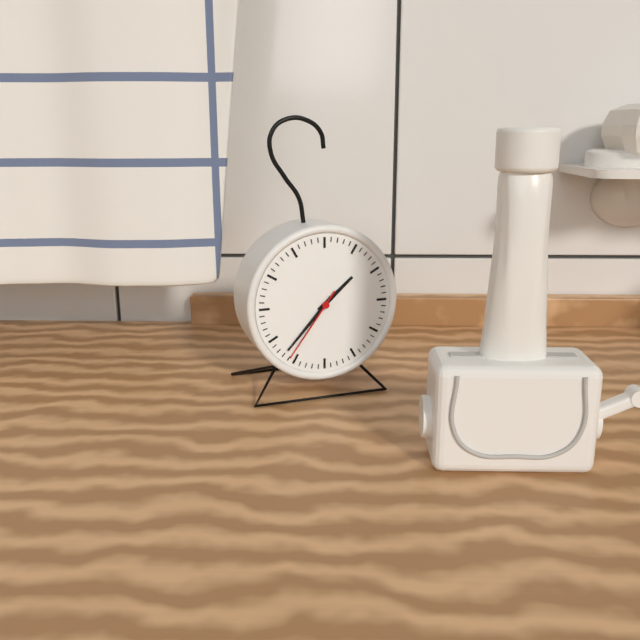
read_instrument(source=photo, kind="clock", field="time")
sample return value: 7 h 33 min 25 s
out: 1 h 37 min 36 s
